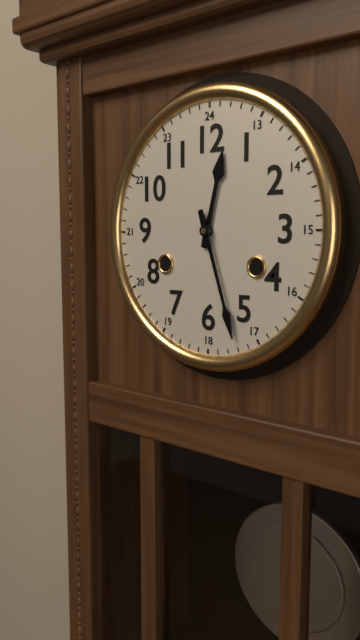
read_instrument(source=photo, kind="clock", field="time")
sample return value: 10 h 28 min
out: 12 h 27 min
